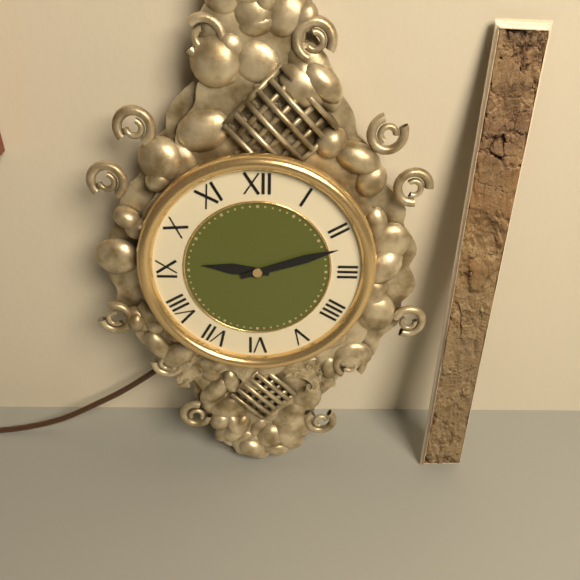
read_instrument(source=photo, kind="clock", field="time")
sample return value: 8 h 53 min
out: 9 h 12 min
